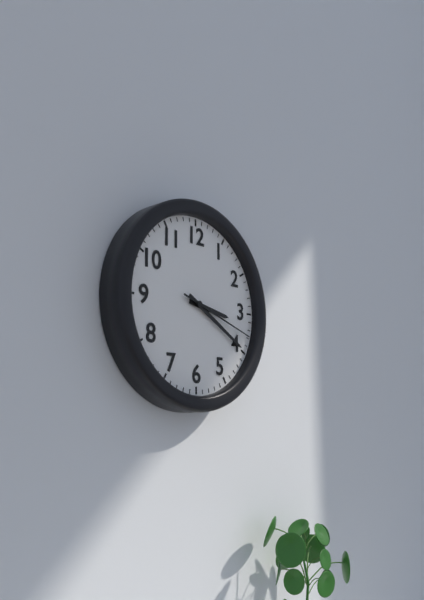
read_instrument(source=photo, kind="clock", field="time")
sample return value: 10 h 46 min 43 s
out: 3 h 20 min 18 s
